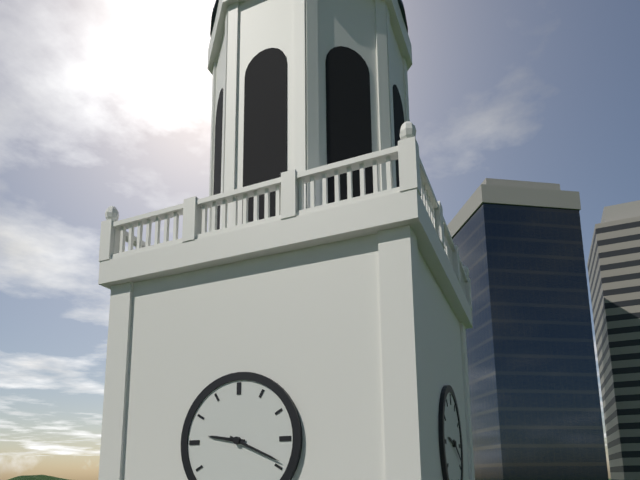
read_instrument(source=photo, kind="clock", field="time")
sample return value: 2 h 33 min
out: 9 h 19 min
